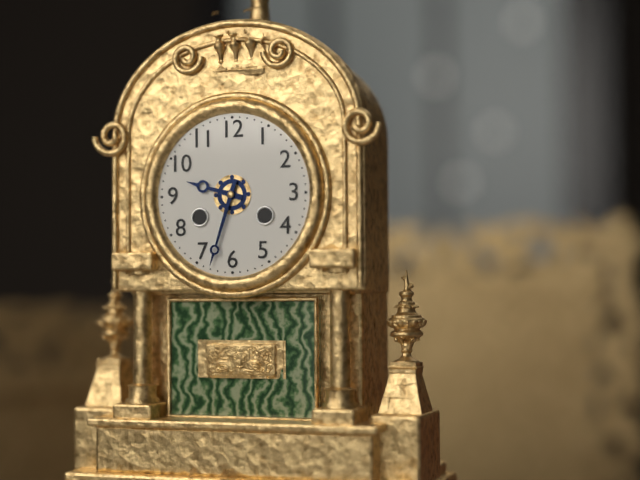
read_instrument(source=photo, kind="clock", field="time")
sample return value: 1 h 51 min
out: 9 h 33 min
